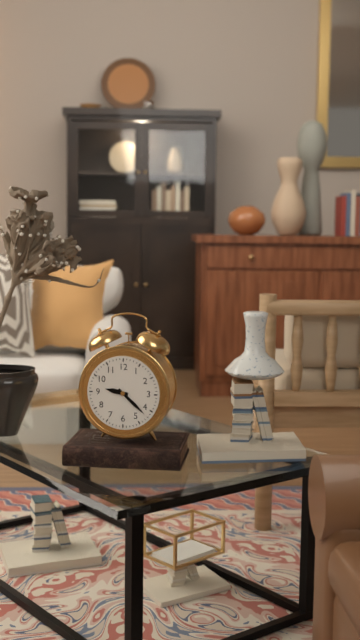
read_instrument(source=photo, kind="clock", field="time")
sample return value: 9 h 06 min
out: 9 h 22 min
